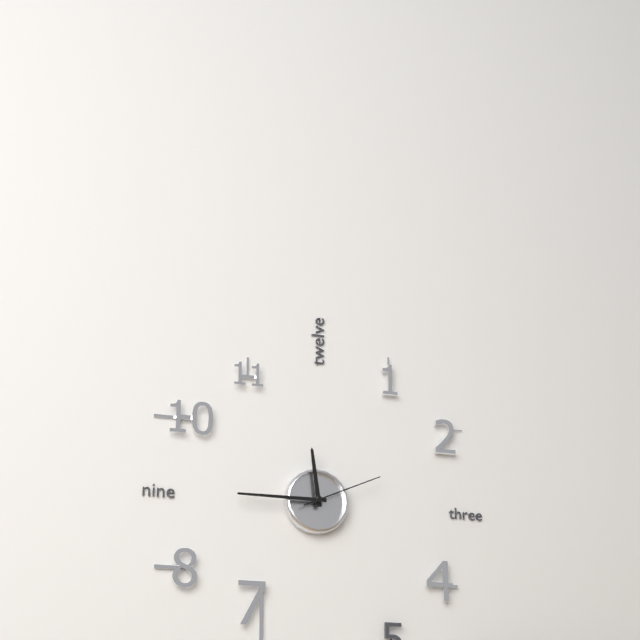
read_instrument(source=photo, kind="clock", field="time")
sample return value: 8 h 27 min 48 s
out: 11 h 45 min 11 s
